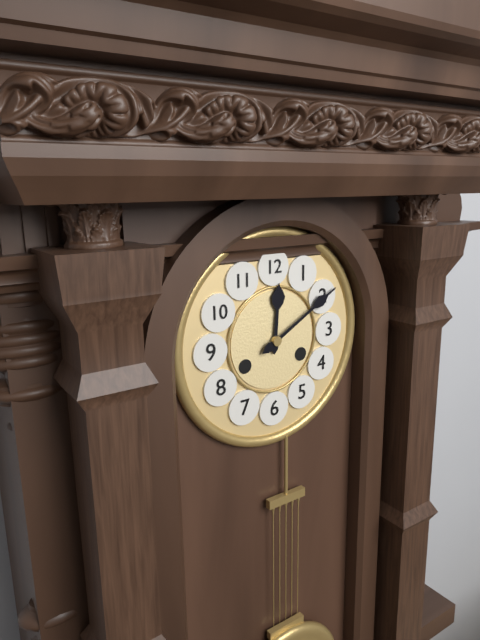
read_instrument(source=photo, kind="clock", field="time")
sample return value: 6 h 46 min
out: 12 h 10 min
